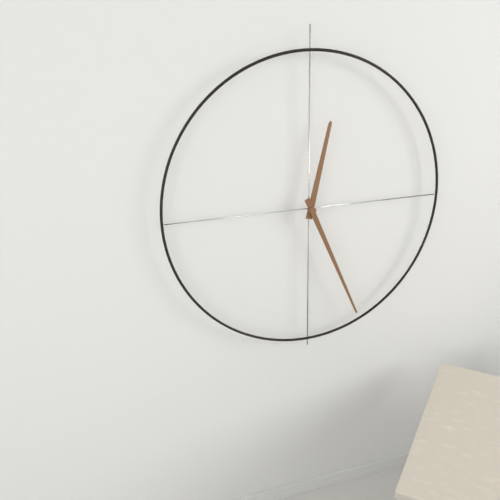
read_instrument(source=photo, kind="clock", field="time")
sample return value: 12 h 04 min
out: 12 h 26 min
